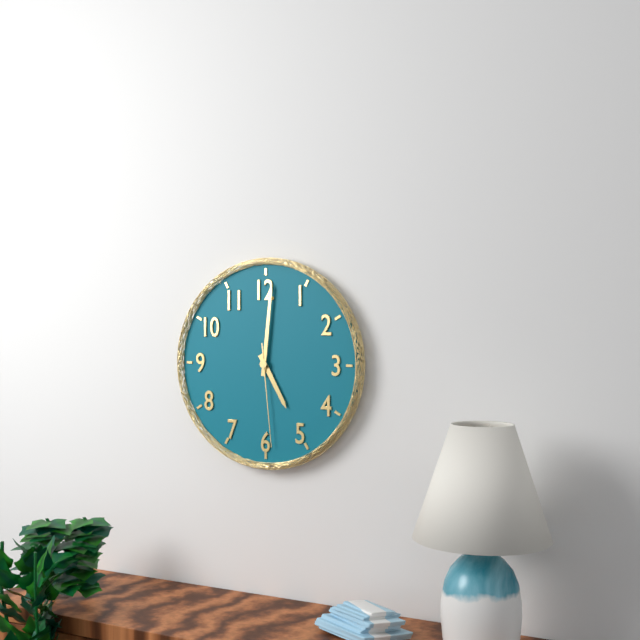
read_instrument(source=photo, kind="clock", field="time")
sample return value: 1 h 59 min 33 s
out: 5 h 01 min 29 s
